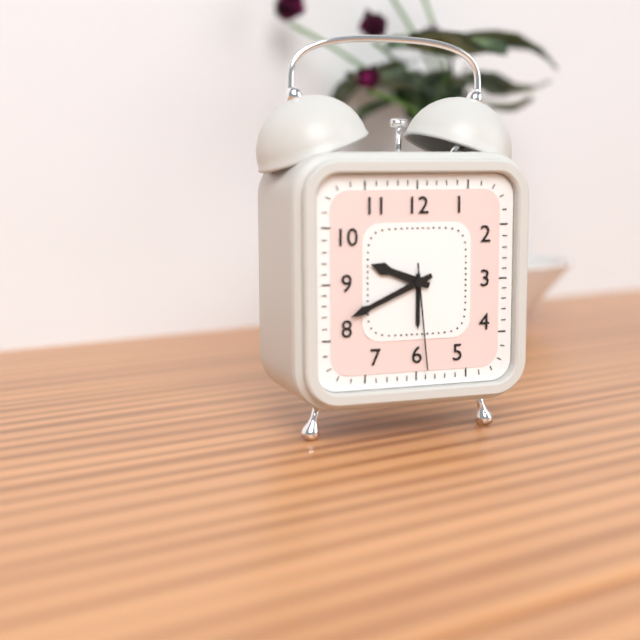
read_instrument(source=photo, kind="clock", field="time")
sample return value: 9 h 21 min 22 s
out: 9 h 41 min 29 s
